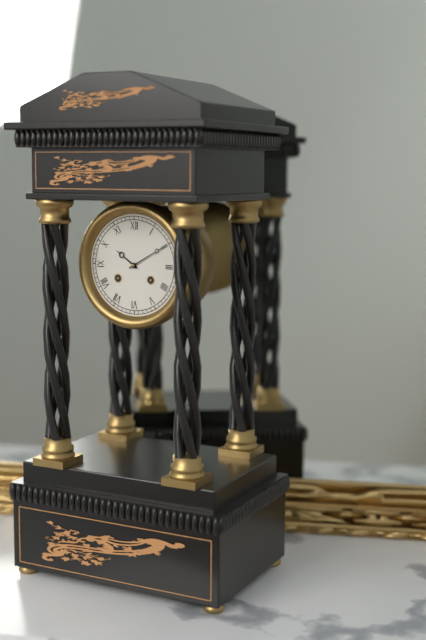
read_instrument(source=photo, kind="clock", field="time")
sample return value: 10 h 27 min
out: 10 h 10 min
